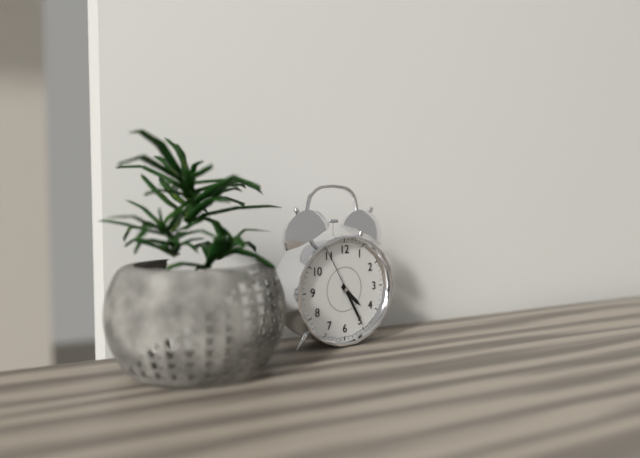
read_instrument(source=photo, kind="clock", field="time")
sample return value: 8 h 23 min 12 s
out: 4 h 25 min 55 s
